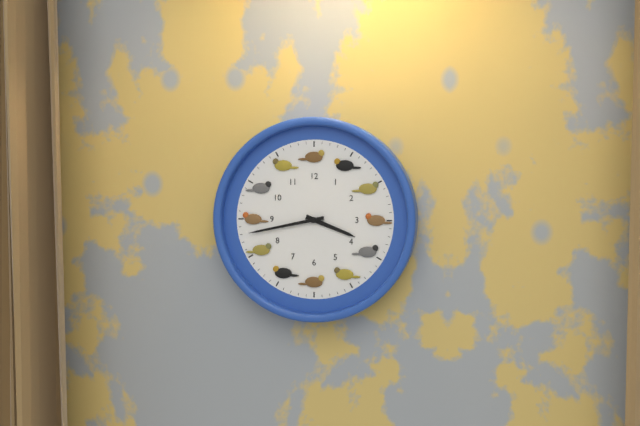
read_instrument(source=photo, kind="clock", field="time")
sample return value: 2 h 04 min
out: 3 h 43 min
